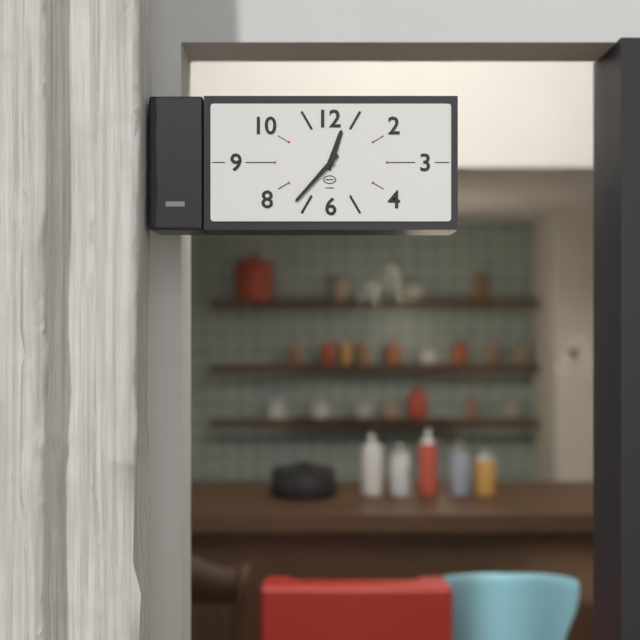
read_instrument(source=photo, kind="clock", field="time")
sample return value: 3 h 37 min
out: 12 h 37 min
